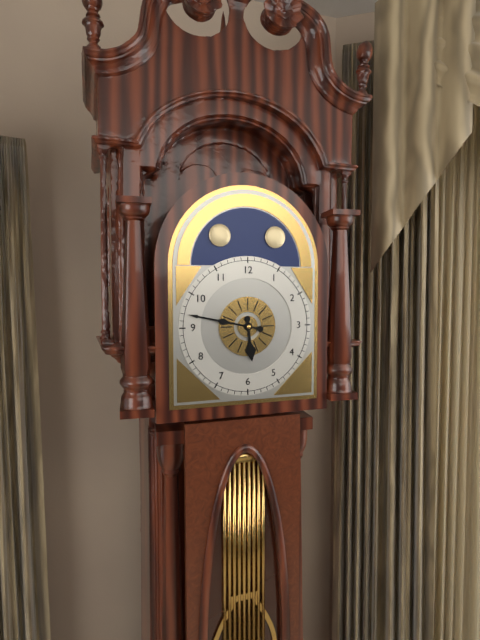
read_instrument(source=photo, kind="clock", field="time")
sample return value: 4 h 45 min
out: 5 h 47 min
